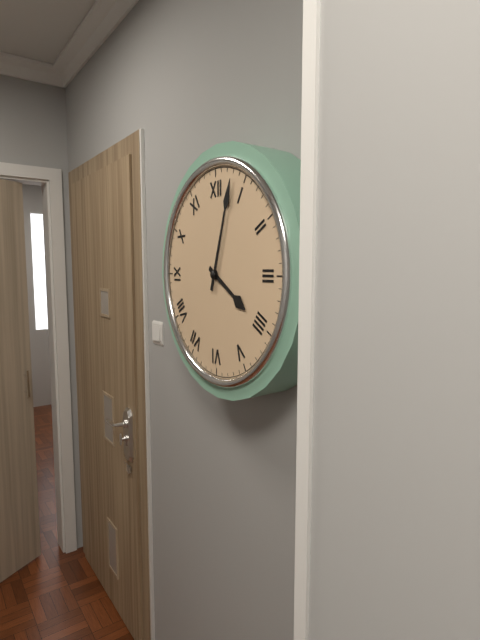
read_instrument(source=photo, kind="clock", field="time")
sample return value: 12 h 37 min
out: 4 h 03 min
